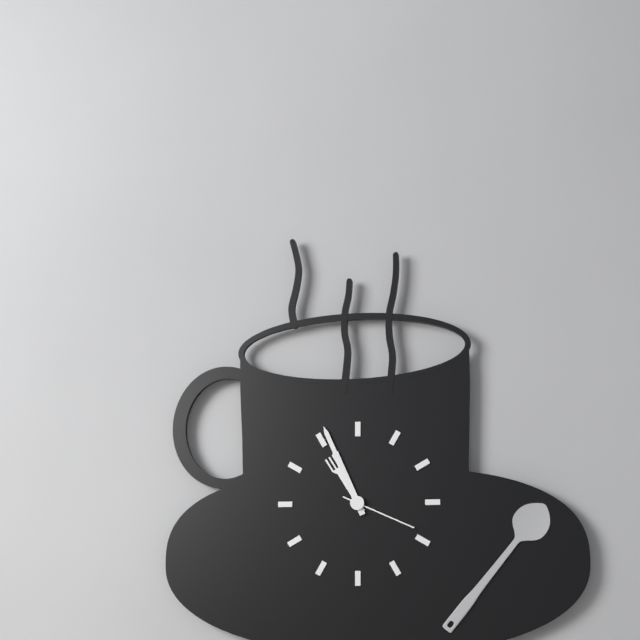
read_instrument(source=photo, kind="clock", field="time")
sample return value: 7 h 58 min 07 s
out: 10 h 56 min 19 s
